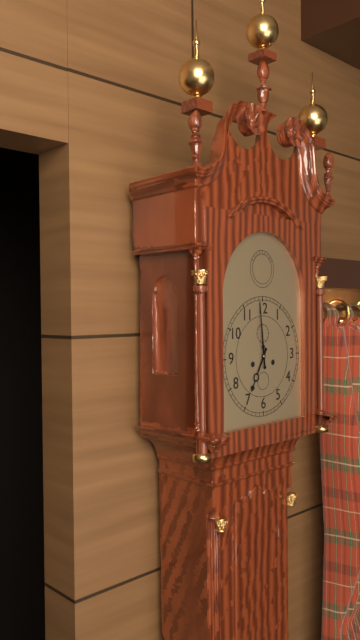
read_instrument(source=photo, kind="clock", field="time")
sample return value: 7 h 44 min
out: 6 h 59 min
